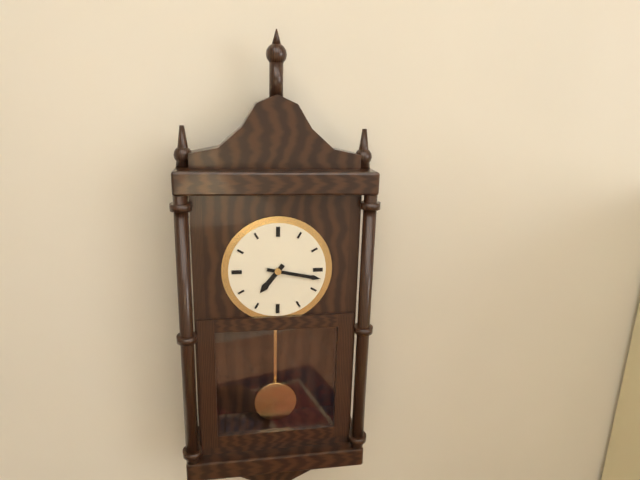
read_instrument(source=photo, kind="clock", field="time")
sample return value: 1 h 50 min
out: 7 h 17 min
